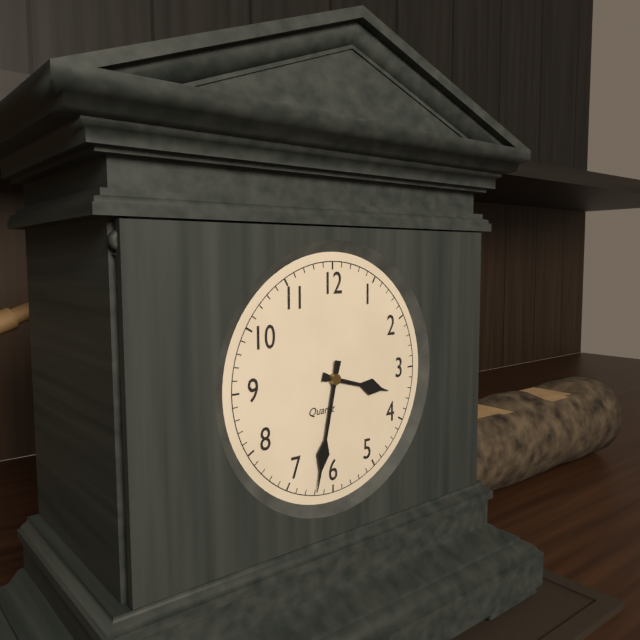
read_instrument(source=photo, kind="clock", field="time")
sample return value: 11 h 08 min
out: 3 h 32 min
